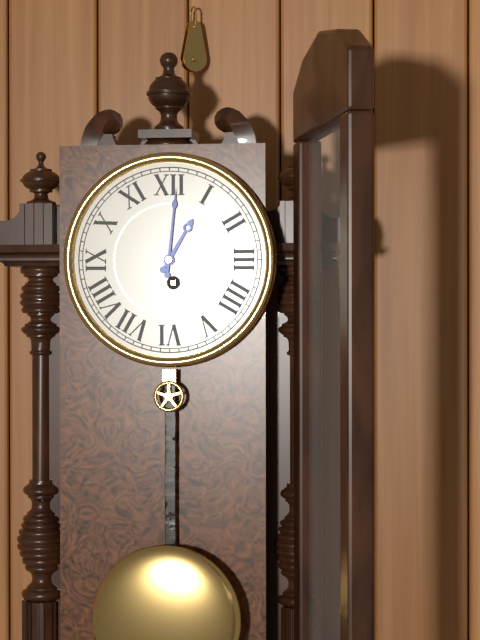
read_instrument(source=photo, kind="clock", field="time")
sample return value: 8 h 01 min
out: 1 h 01 min
